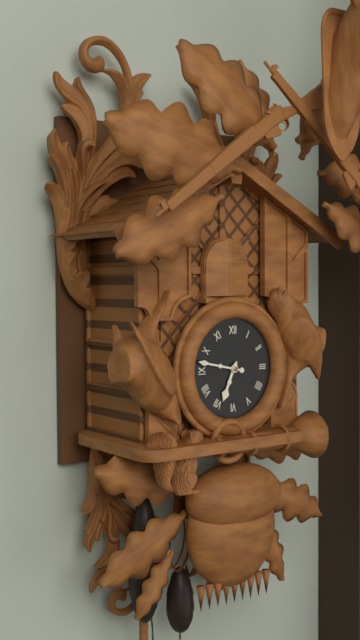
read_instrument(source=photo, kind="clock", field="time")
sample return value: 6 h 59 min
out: 6 h 47 min
